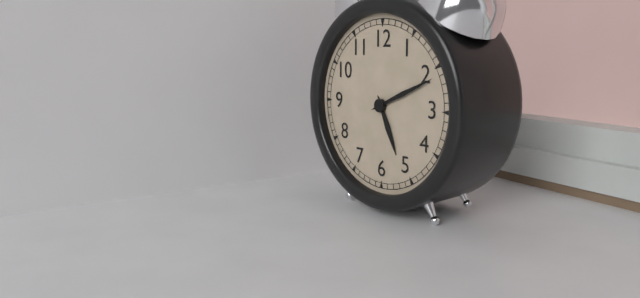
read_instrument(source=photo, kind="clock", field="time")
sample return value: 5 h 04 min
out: 5 h 11 min
